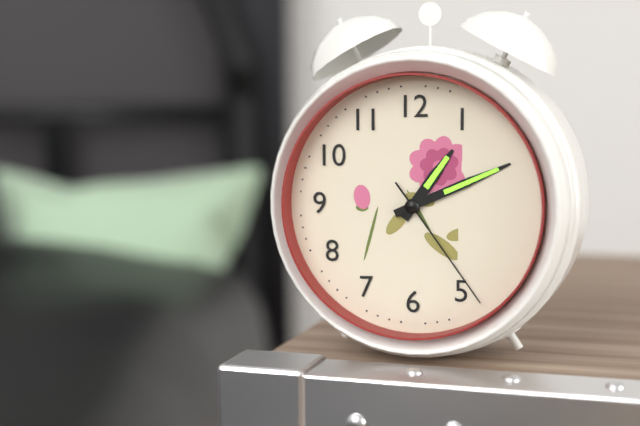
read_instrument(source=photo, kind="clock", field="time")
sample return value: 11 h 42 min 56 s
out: 1 h 11 min 24 s
